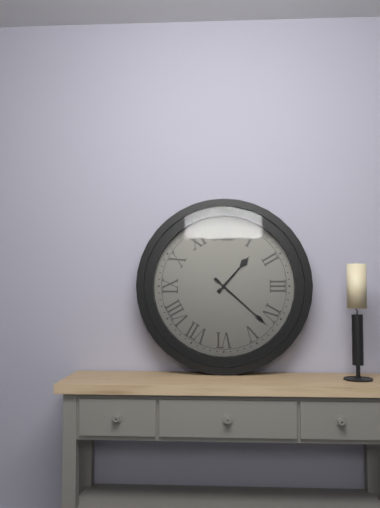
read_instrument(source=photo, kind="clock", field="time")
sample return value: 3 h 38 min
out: 1 h 22 min
